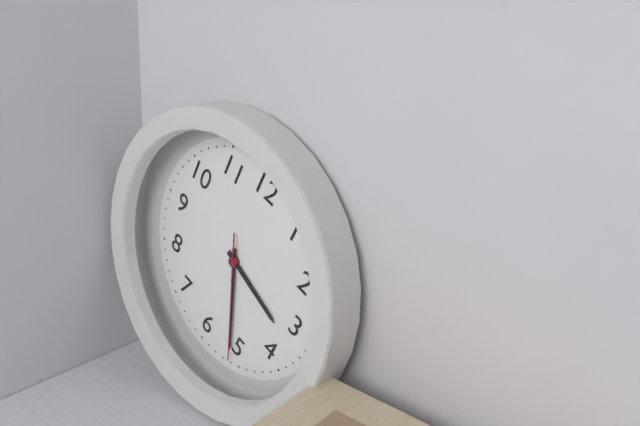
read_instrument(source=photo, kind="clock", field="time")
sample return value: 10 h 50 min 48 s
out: 3 h 26 min 26 s
